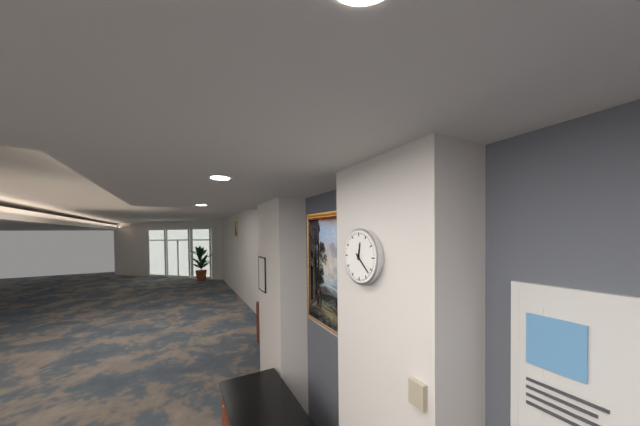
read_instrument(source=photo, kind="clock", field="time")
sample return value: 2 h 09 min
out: 12 h 22 min
